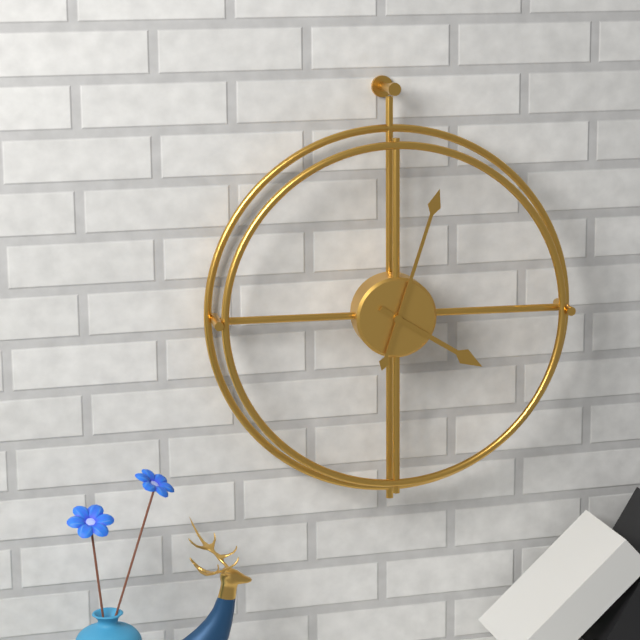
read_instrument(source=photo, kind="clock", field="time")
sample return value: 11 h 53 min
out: 4 h 03 min
